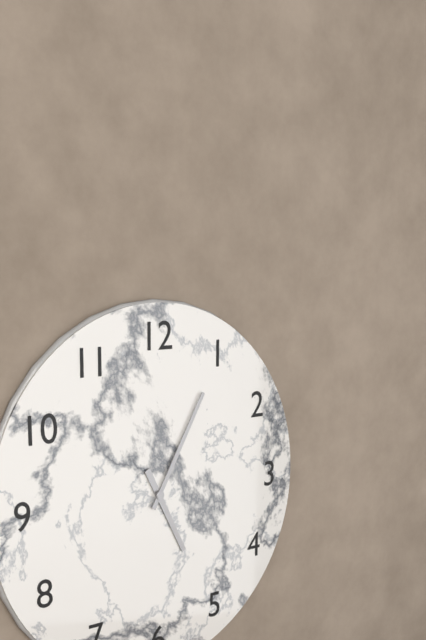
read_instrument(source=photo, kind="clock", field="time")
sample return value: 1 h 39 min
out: 5 h 05 min
